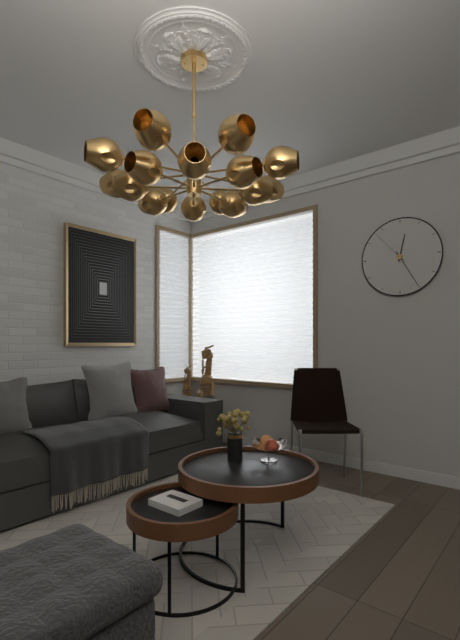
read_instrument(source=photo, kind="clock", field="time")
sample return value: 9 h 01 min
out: 12 h 25 min
